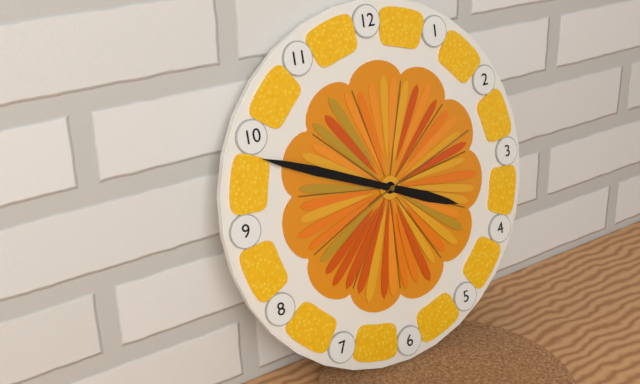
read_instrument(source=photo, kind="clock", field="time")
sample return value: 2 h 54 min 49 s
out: 3 h 49 min 12 s
